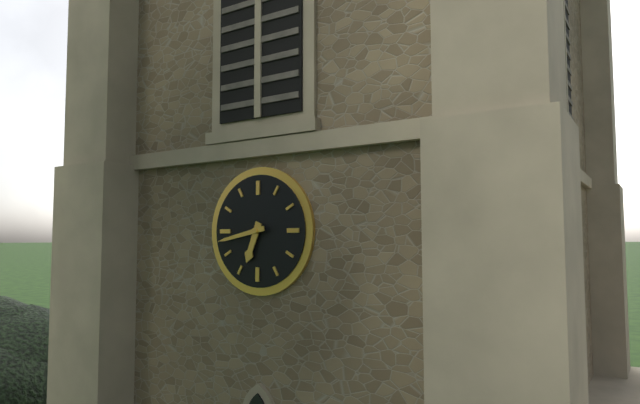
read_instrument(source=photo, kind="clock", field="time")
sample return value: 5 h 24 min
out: 6 h 43 min
